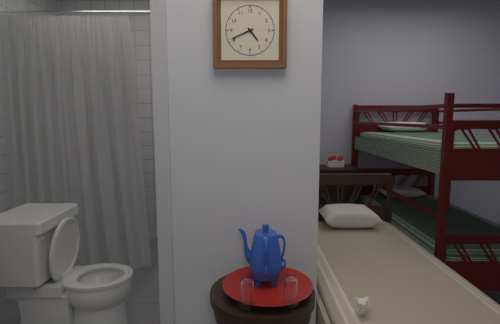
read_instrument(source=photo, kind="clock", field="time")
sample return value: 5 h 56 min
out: 4 h 41 min
